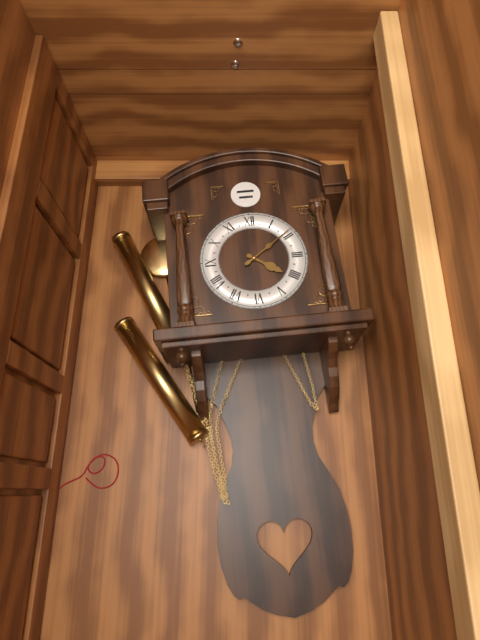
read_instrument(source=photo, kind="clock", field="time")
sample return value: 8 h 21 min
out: 4 h 09 min
